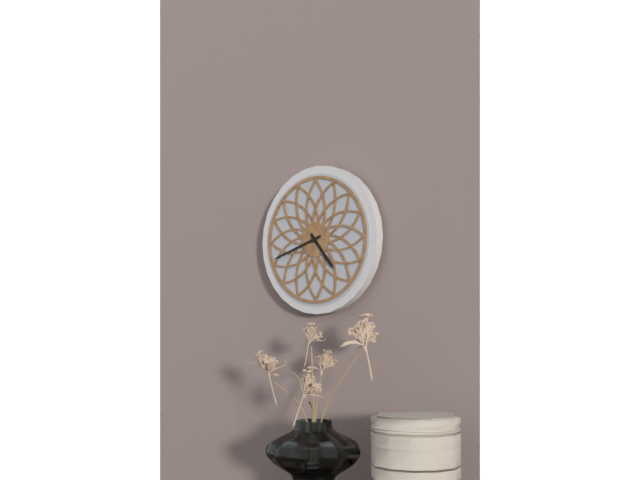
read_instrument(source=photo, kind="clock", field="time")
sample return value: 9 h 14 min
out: 4 h 42 min
